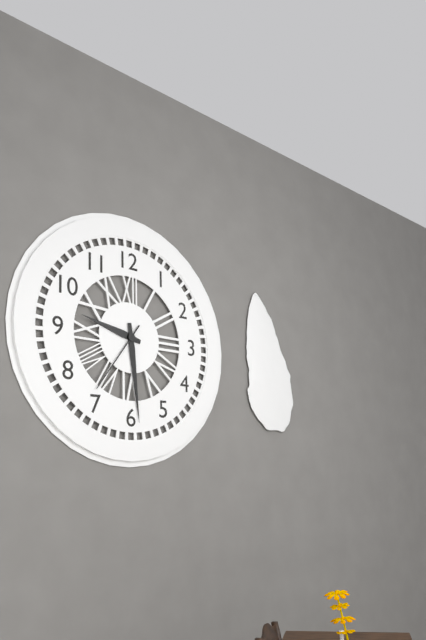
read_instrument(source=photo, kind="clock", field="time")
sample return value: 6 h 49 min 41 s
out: 9 h 29 min 36 s
